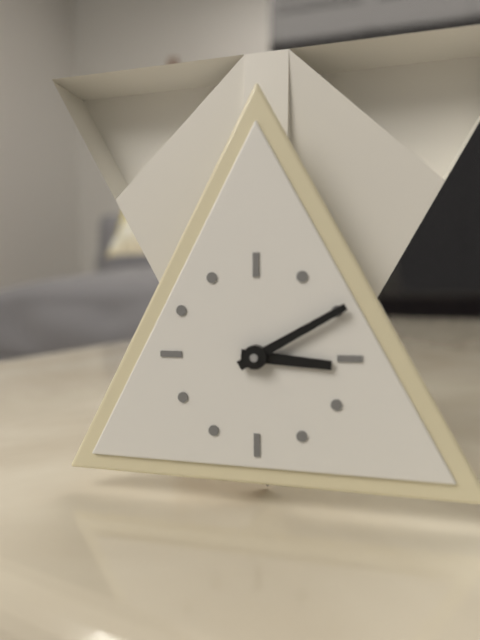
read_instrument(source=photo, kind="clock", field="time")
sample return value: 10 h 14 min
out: 3 h 10 min
